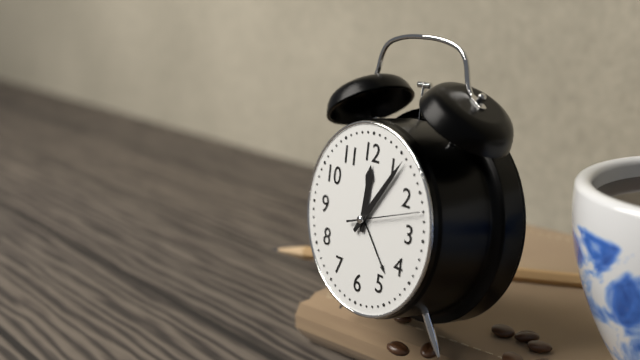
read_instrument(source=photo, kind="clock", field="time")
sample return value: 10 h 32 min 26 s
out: 12 h 06 min 12 s
